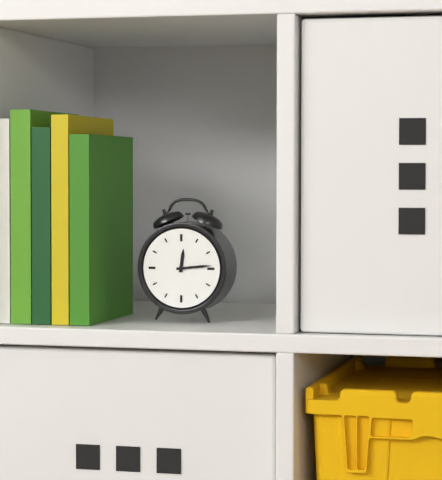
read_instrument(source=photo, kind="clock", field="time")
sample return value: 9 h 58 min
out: 12 h 14 min
